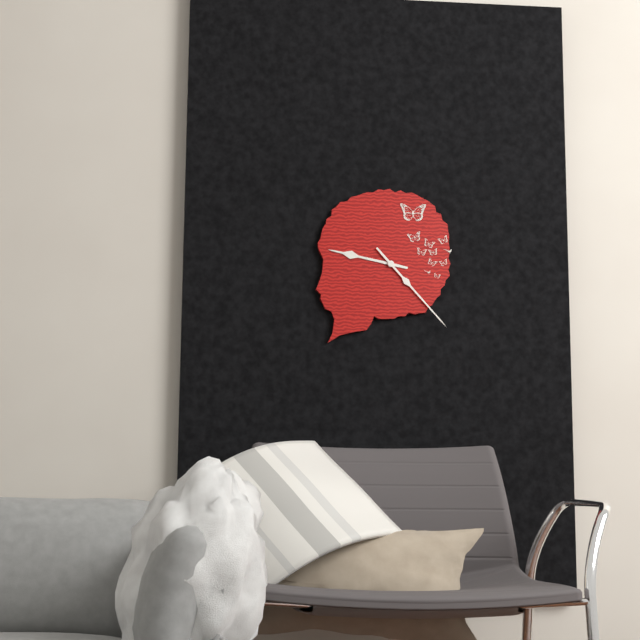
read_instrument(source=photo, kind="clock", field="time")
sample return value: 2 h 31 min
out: 9 h 23 min
